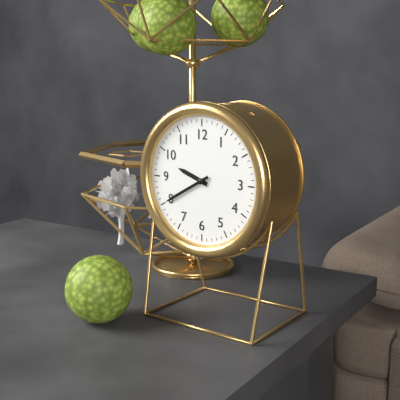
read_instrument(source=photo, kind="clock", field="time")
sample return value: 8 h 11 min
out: 9 h 40 min
